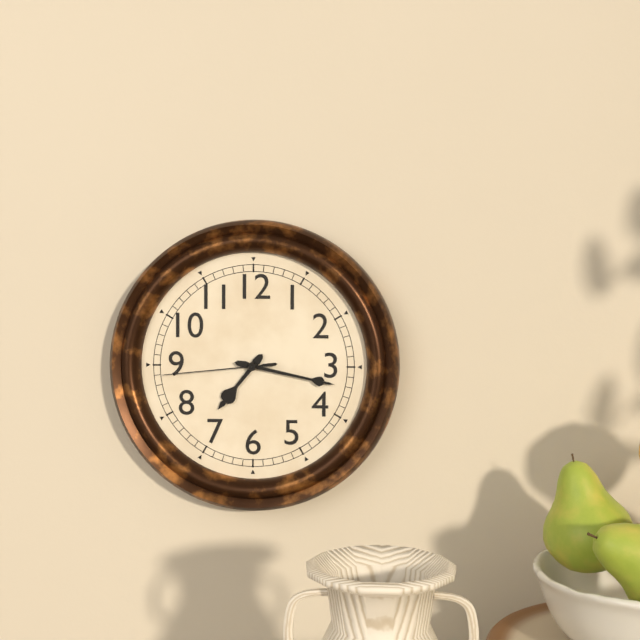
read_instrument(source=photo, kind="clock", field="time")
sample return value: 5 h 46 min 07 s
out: 7 h 17 min 44 s
